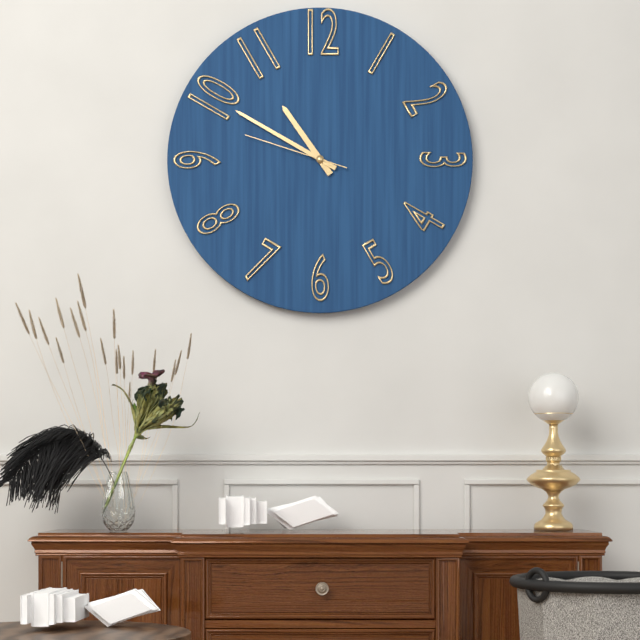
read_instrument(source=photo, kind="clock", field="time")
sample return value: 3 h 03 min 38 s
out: 10 h 50 min 48 s
